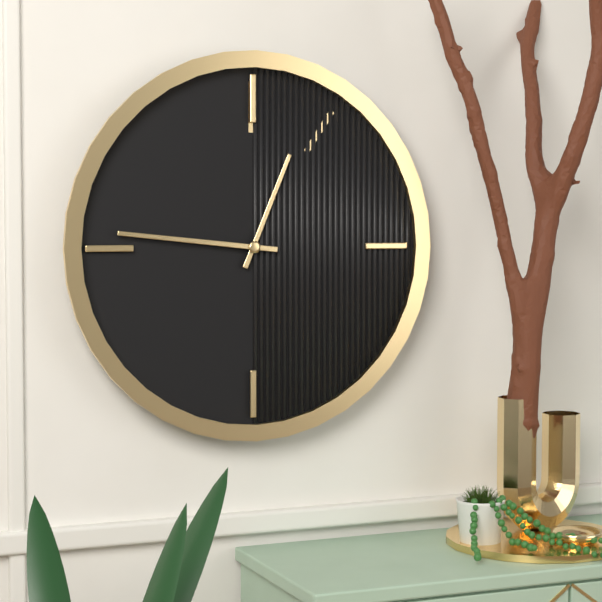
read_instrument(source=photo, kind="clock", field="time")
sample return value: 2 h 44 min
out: 12 h 46 min
